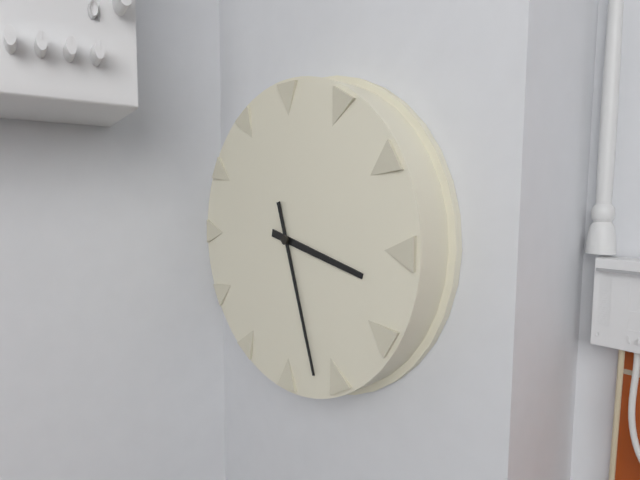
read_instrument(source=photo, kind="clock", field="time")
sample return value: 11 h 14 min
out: 3 h 27 min
